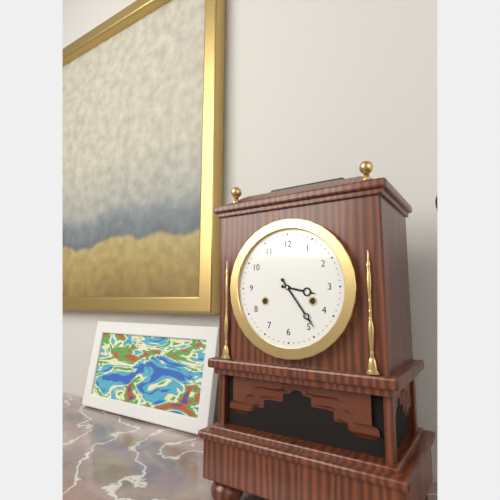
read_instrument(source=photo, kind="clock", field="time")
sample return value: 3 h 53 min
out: 3 h 24 min
